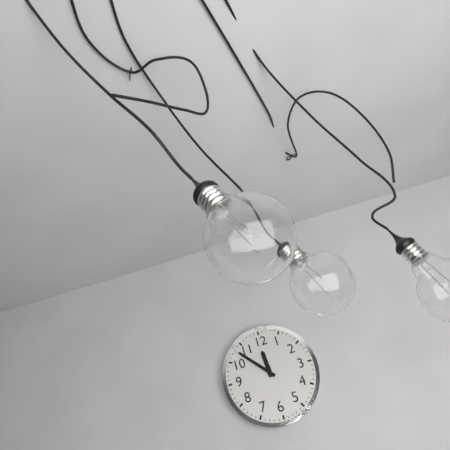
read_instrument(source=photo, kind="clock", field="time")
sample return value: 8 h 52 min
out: 11 h 53 min
